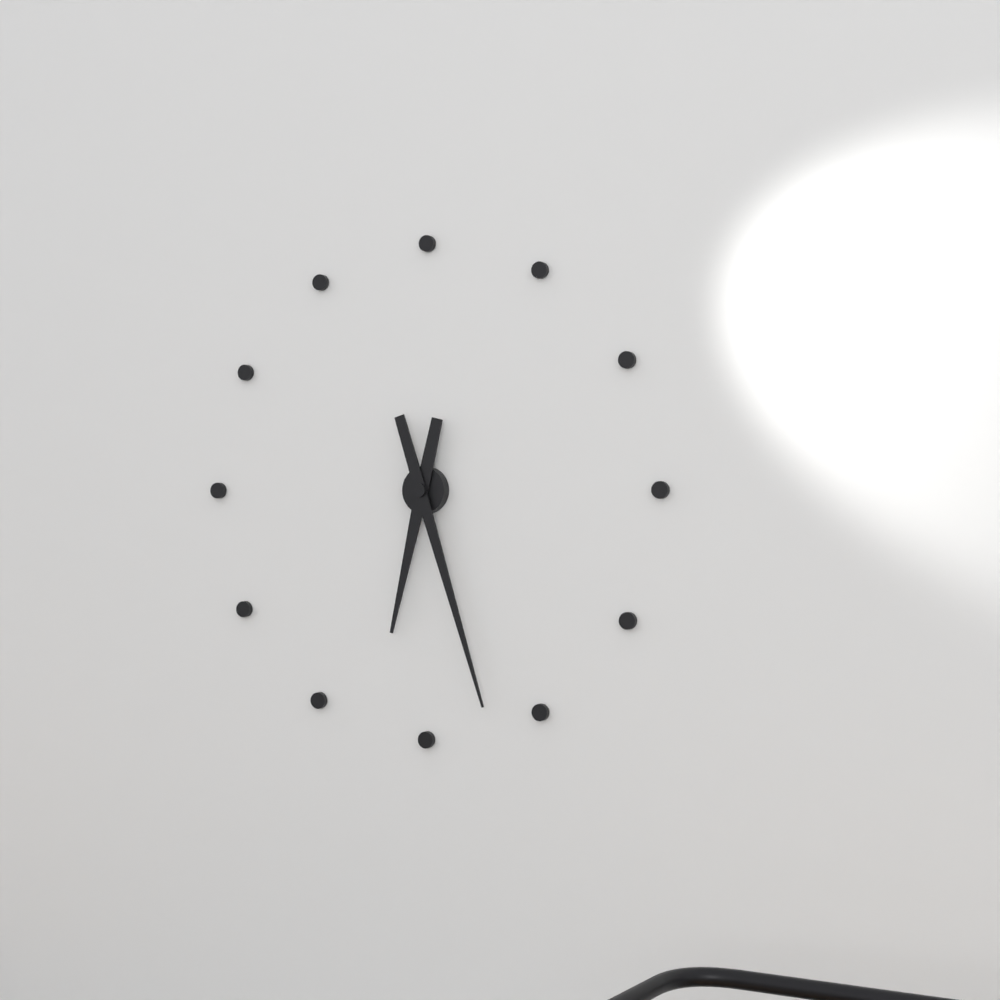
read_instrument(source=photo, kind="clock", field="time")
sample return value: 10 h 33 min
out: 6 h 27 min
